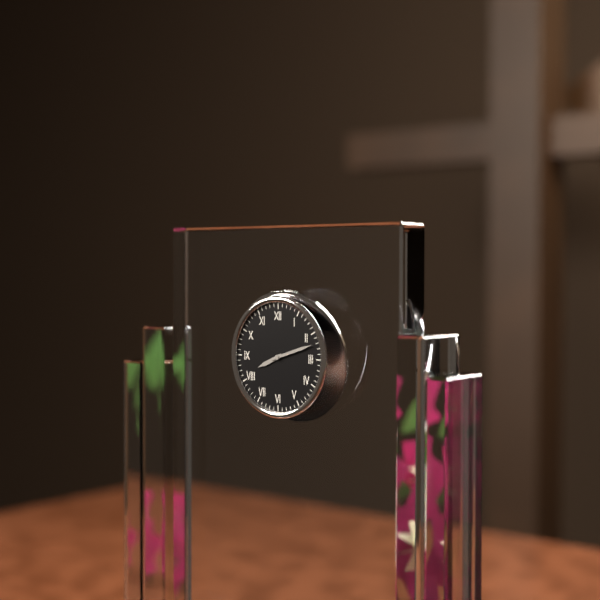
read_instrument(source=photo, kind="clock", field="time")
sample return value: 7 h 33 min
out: 8 h 12 min
